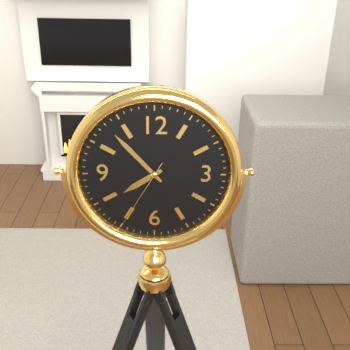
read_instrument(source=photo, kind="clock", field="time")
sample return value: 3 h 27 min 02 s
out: 7 h 53 min 35 s
